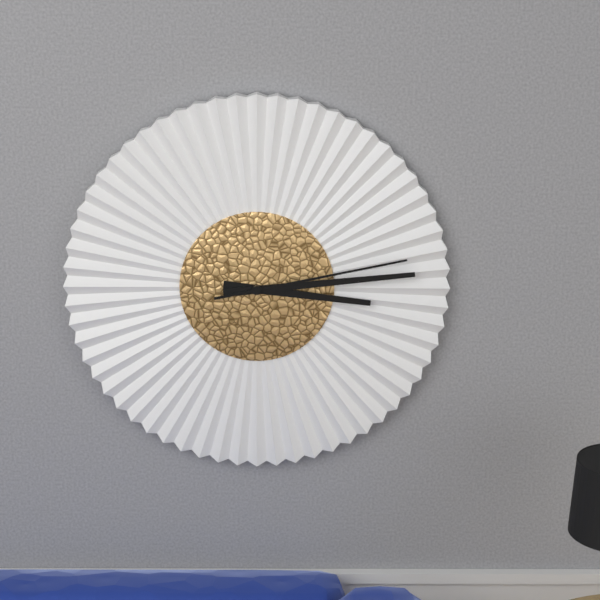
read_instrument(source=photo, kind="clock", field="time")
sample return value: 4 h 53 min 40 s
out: 3 h 14 min 13 s
